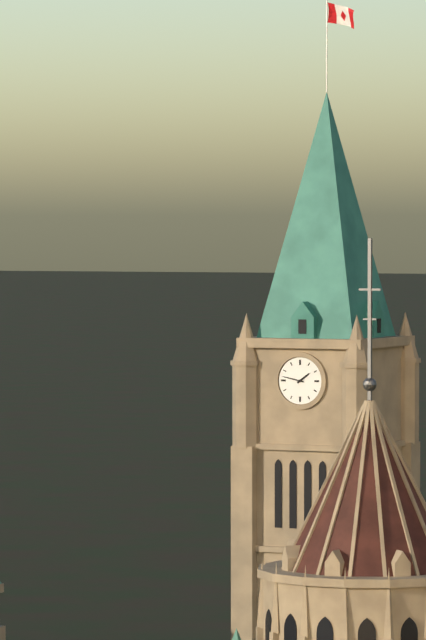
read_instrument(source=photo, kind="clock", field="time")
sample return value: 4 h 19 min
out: 1 h 47 min
